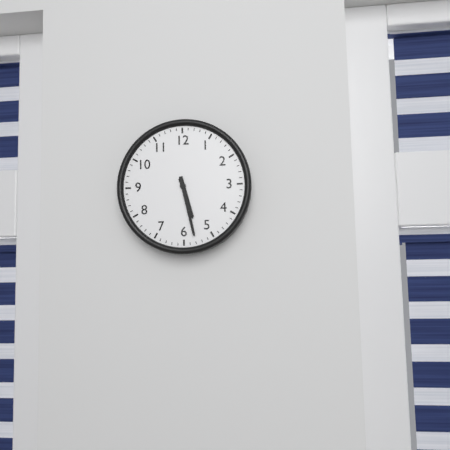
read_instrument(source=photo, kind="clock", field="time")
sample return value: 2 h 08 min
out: 5 h 28 min
